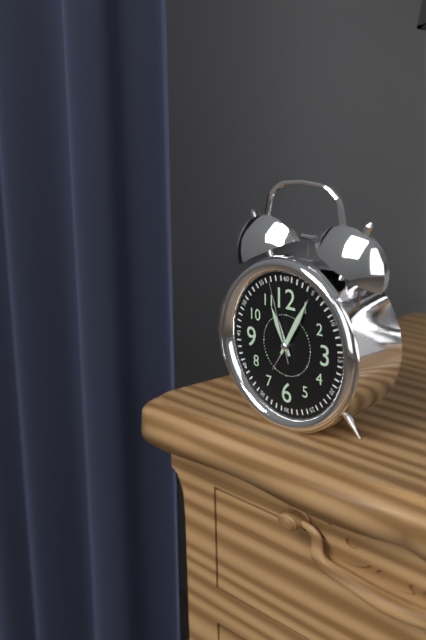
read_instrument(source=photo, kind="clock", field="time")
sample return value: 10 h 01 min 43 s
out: 11 h 05 min 57 s
